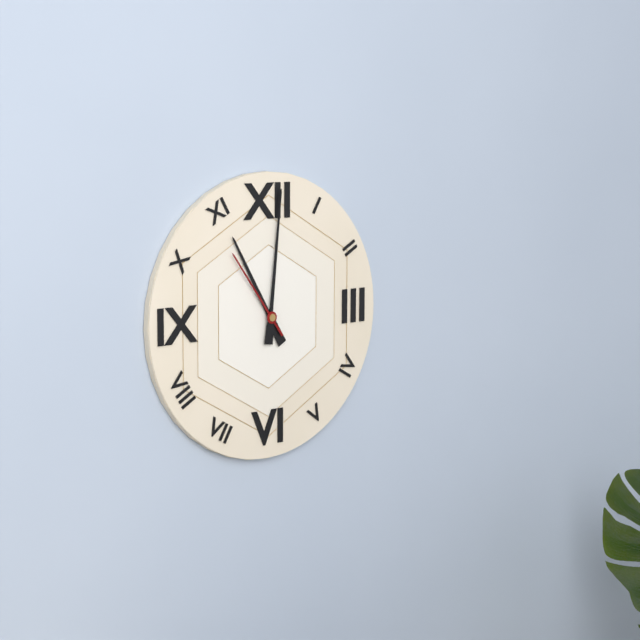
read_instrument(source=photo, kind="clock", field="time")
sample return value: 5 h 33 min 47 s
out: 11 h 01 min 54 s
